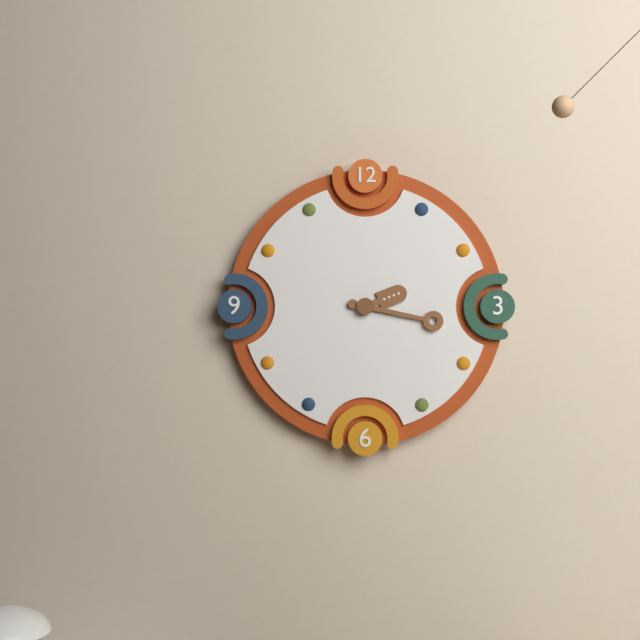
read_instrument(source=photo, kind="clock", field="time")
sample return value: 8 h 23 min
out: 2 h 17 min
